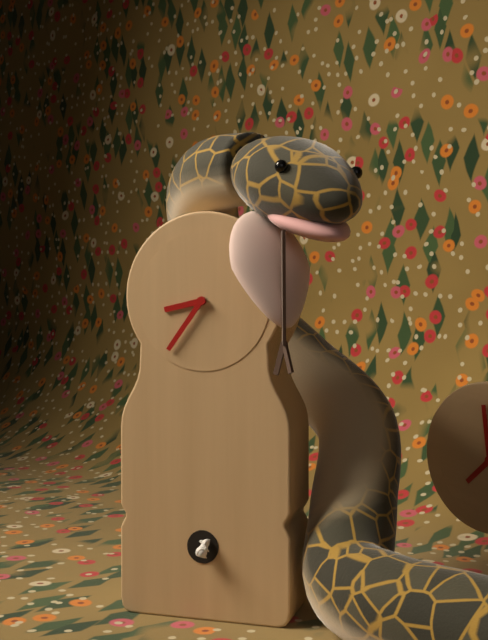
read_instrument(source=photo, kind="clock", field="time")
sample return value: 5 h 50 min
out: 8 h 36 min
